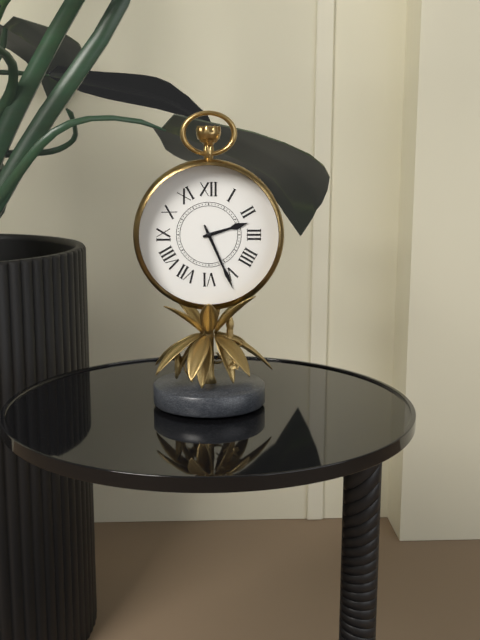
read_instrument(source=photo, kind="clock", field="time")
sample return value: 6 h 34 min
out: 2 h 26 min
